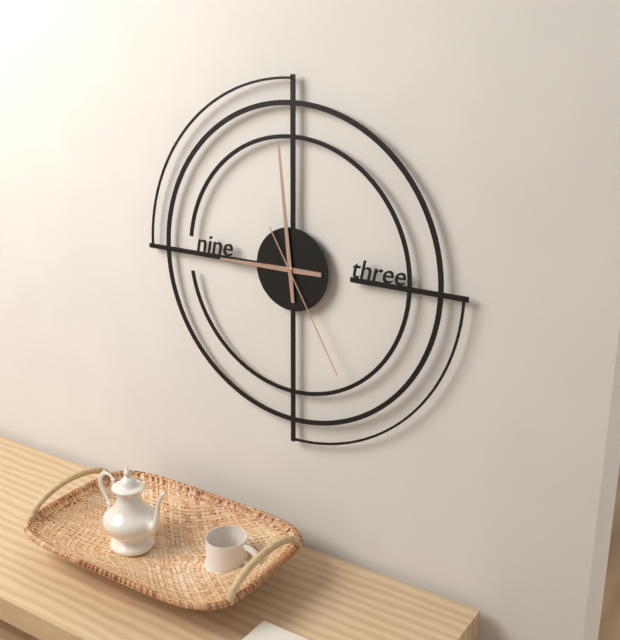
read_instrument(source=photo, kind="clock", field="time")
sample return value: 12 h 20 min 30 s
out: 8 h 59 min 25 s
